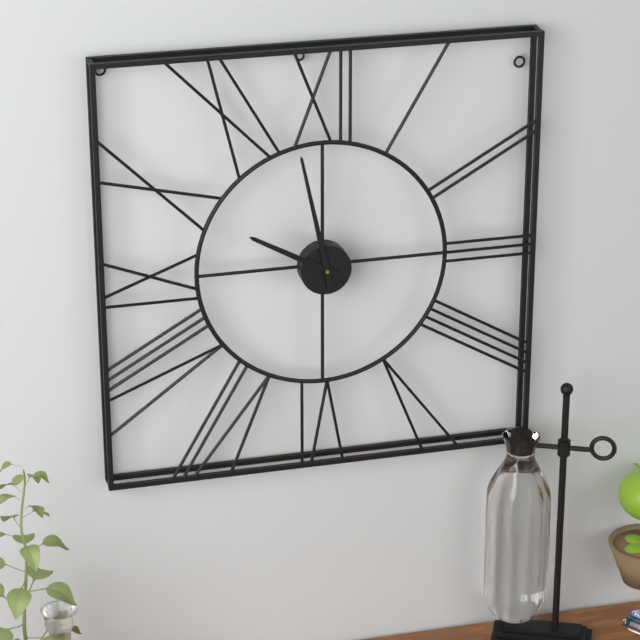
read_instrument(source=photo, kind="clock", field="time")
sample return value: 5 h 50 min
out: 9 h 58 min
